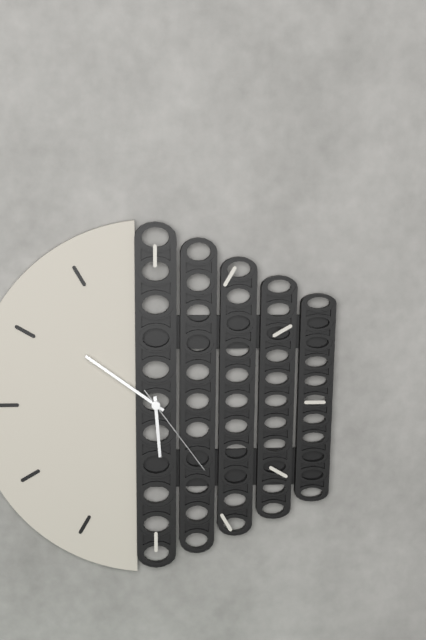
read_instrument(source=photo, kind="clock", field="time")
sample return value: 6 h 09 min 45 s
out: 5 h 51 min 24 s
